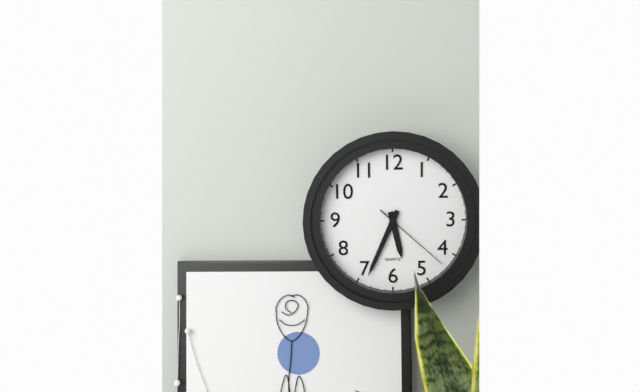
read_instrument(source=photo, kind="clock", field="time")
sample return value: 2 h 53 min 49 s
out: 5 h 34 min 22 s
